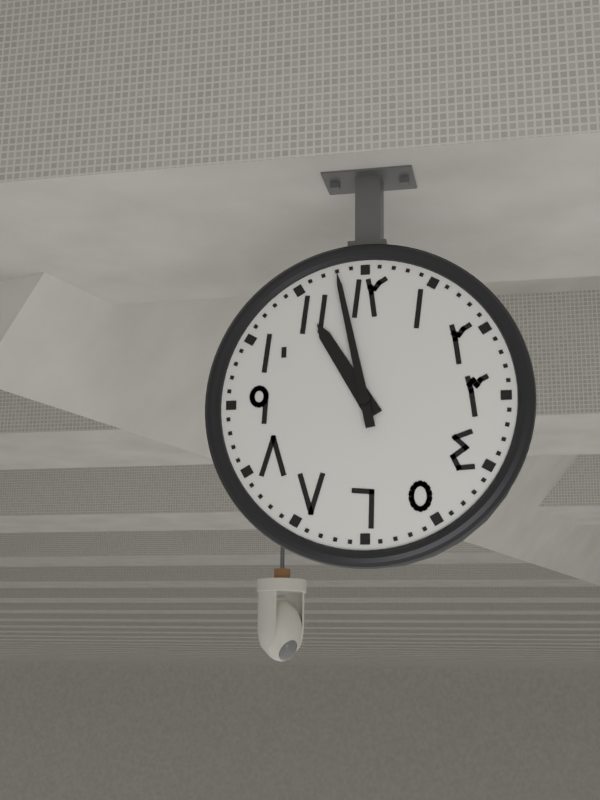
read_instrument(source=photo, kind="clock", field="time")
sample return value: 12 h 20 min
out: 10 h 58 min
